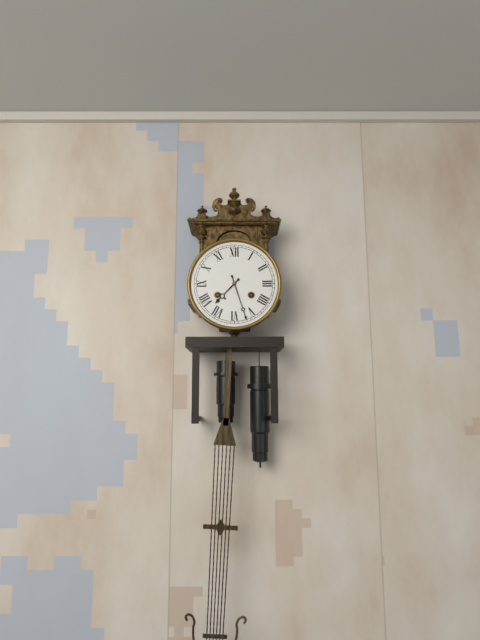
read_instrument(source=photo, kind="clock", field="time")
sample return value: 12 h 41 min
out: 7 h 27 min
